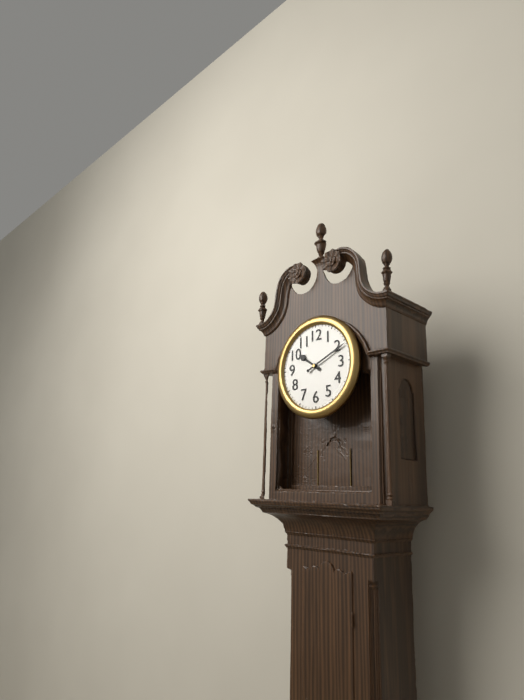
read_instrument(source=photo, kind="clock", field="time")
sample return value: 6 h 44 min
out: 10 h 11 min
